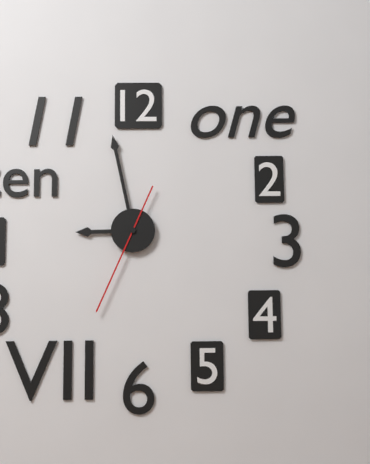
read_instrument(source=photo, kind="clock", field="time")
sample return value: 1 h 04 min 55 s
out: 8 h 58 min 34 s
